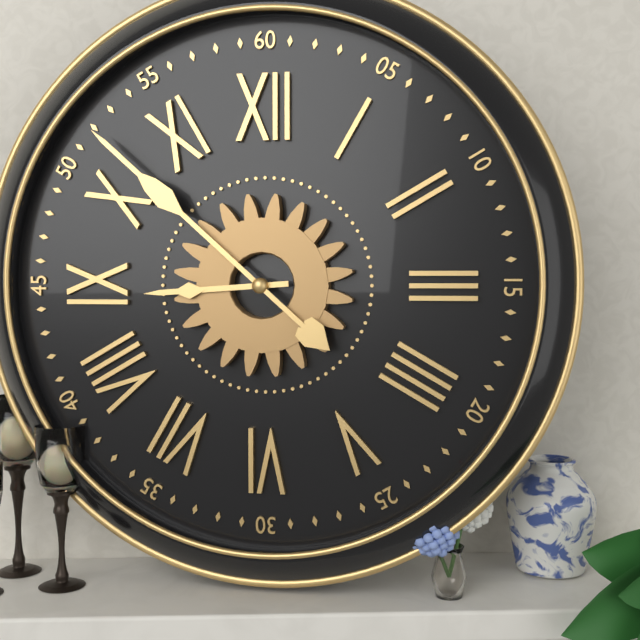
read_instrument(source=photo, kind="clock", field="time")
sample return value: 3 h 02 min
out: 8 h 52 min
